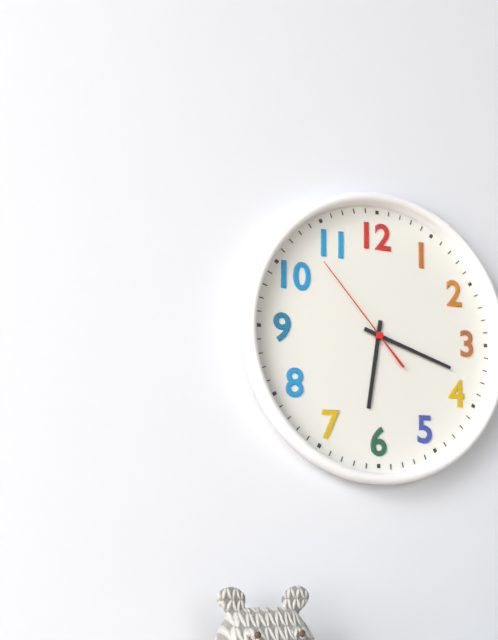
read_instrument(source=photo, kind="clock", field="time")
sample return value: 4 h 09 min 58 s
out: 6 h 18 min 53 s
